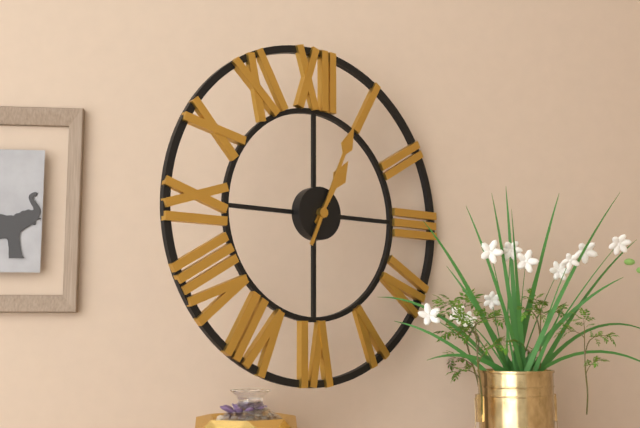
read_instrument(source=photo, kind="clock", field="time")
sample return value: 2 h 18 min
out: 1 h 04 min
